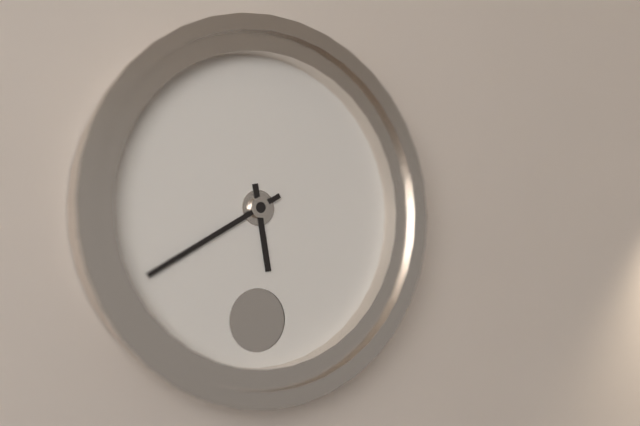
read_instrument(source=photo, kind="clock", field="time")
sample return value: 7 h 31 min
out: 5 h 40 min
